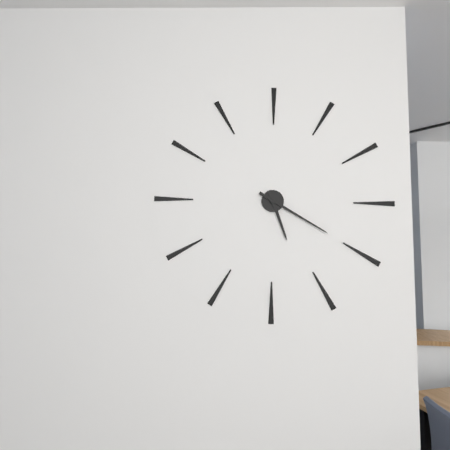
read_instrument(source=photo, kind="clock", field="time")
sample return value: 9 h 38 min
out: 5 h 20 min
